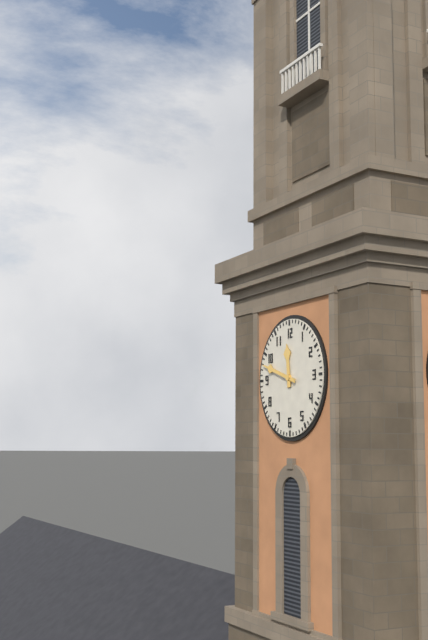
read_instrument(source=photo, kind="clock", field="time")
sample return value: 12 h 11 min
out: 11 h 48 min
